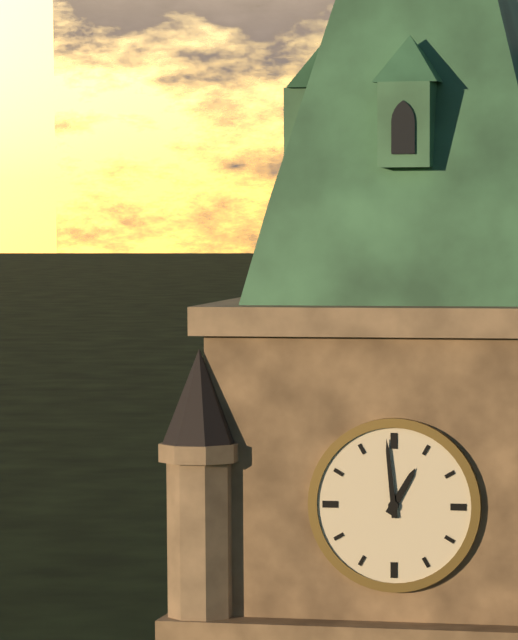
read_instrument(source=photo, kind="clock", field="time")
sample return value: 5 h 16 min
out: 12 h 59 min
